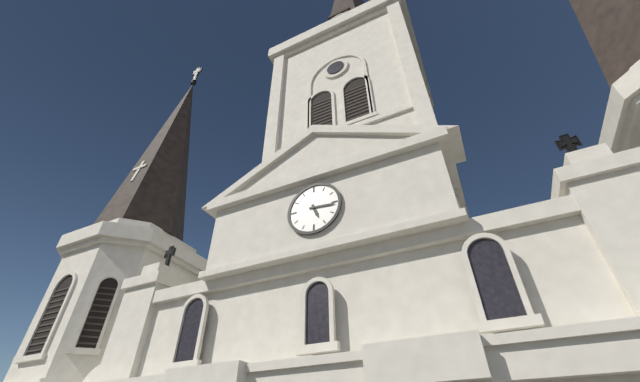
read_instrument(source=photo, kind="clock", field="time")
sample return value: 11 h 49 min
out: 5 h 16 min
